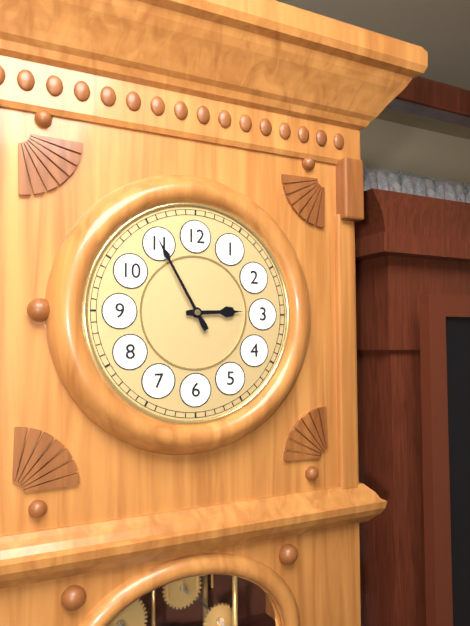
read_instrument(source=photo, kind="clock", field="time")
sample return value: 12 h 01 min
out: 2 h 55 min
